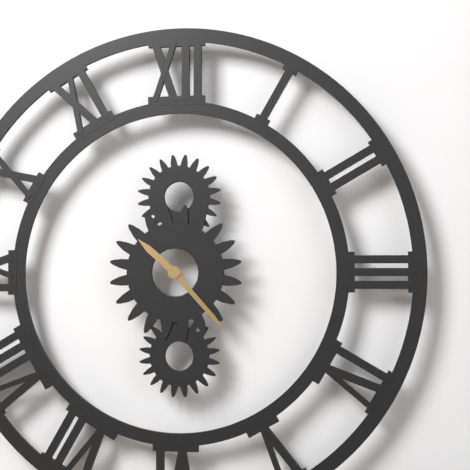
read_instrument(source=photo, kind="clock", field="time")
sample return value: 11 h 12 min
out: 10 h 23 min
